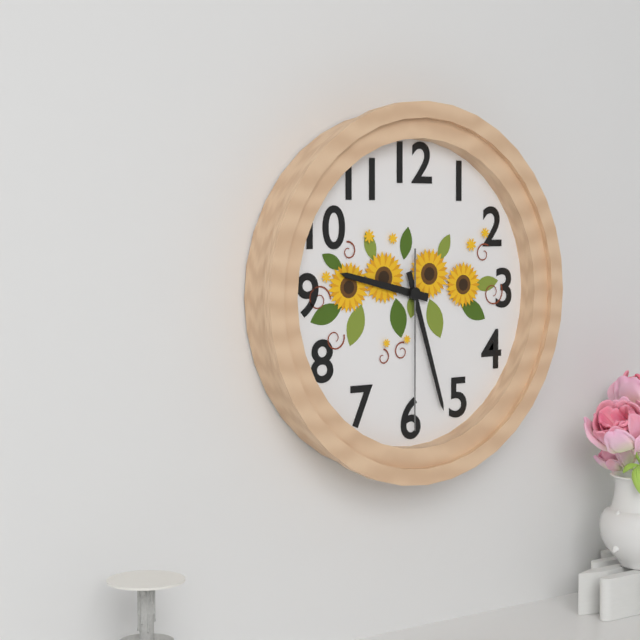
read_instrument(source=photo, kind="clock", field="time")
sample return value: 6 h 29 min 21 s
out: 9 h 27 min 30 s
